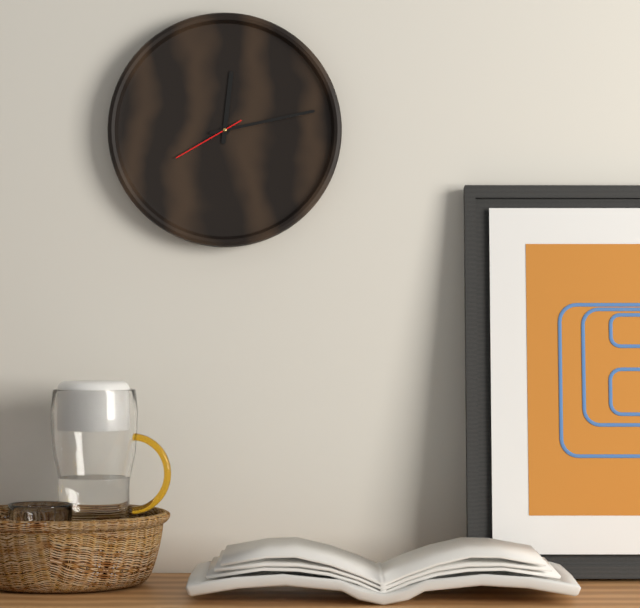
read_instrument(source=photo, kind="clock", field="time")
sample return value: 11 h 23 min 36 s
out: 12 h 13 min 40 s
